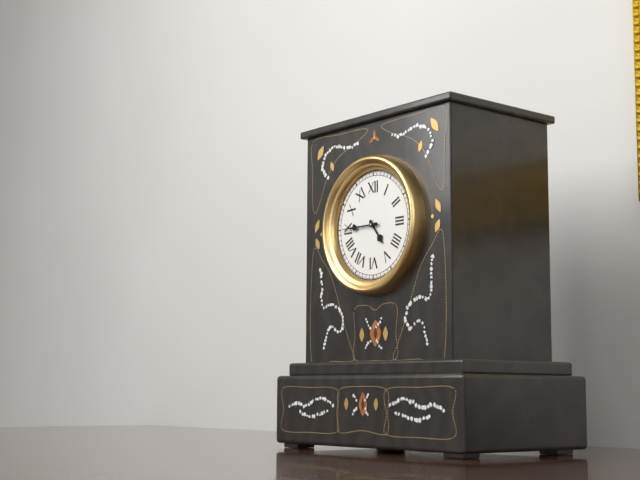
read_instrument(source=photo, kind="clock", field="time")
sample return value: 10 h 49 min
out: 4 h 45 min
